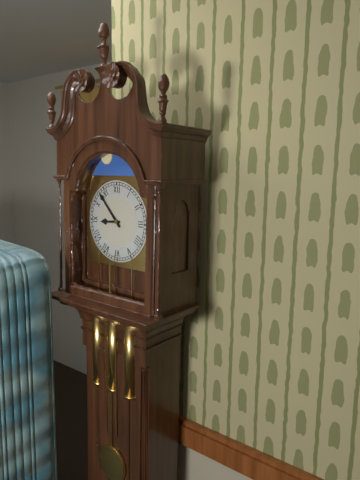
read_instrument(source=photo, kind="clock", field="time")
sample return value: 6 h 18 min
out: 8 h 53 min
